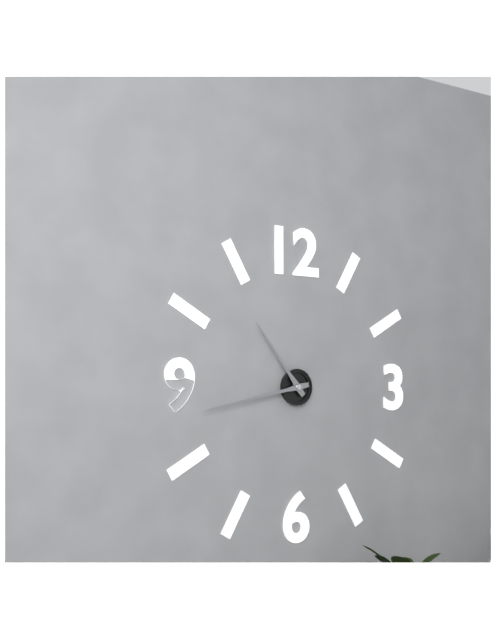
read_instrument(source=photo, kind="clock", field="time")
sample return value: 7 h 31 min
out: 10 h 43 min
